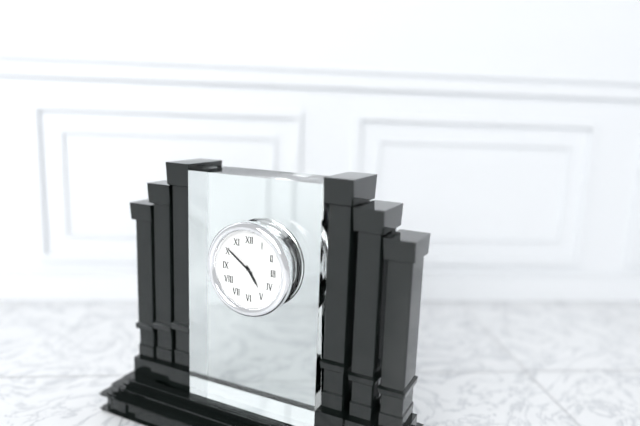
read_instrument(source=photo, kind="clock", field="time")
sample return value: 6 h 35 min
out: 4 h 51 min
